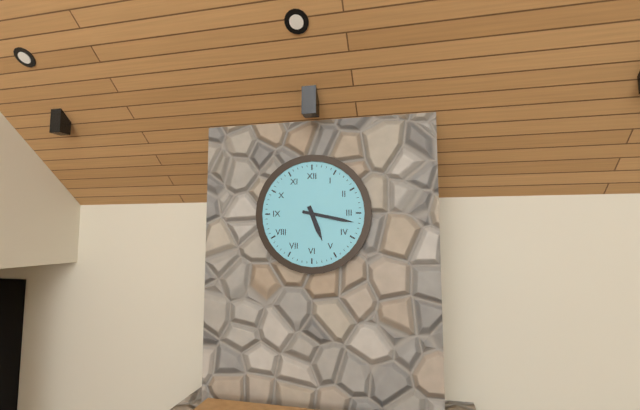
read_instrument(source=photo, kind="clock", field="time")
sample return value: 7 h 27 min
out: 5 h 17 min
